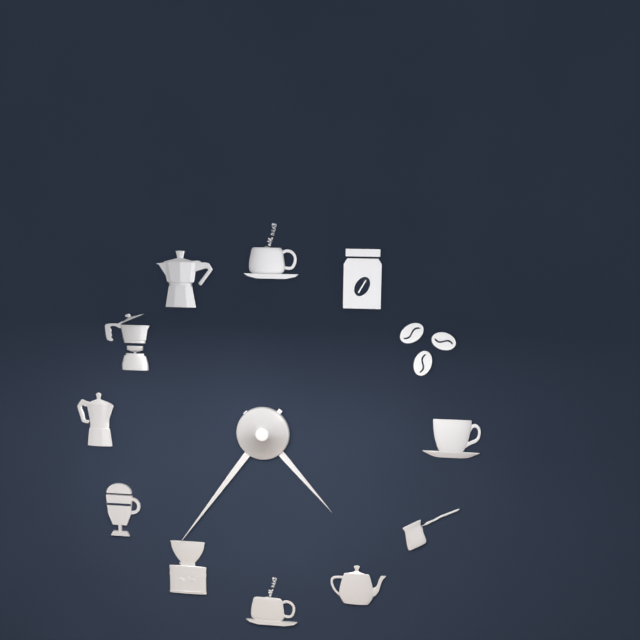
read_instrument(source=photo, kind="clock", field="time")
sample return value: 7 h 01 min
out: 4 h 36 min
